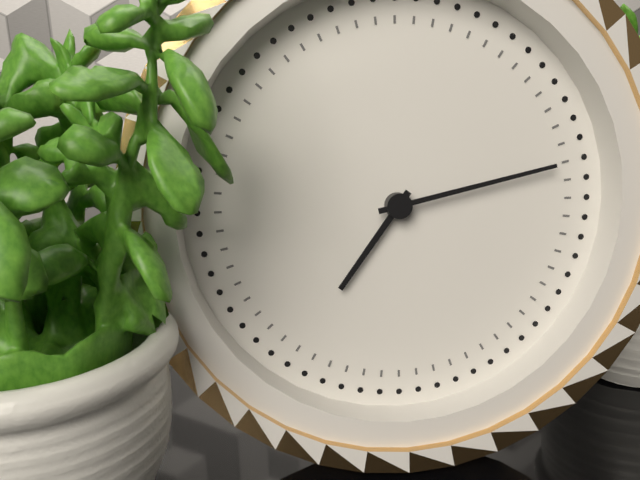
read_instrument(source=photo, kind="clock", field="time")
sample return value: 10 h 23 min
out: 7 h 13 min
